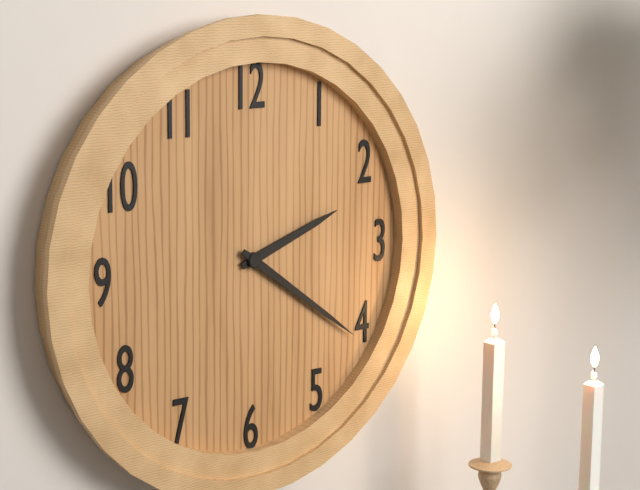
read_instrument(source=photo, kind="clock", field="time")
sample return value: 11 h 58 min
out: 2 h 21 min
